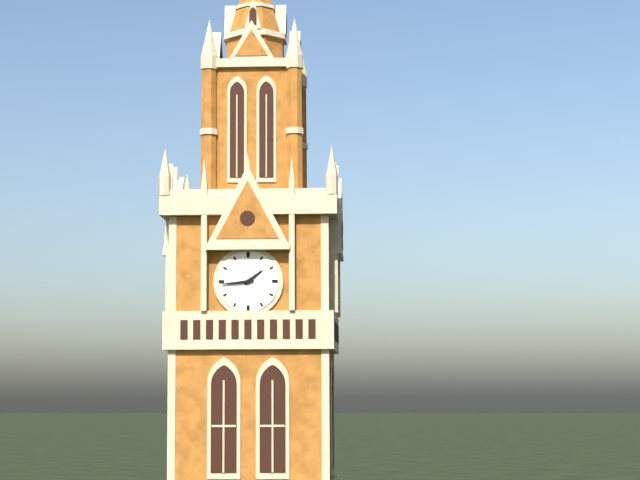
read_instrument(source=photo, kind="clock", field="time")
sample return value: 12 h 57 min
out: 1 h 44 min
